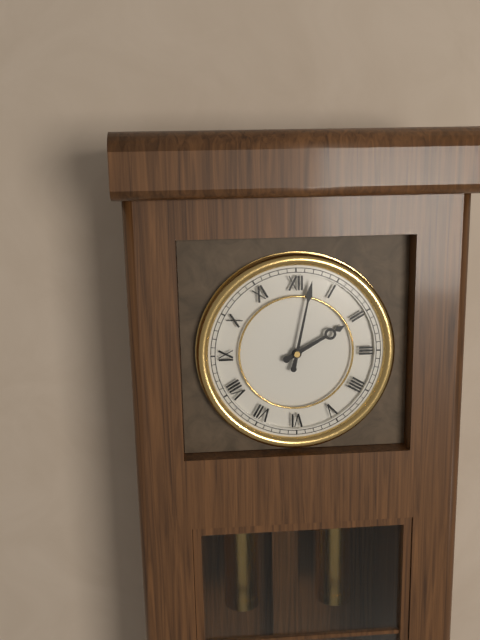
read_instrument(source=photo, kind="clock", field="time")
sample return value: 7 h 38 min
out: 2 h 02 min
